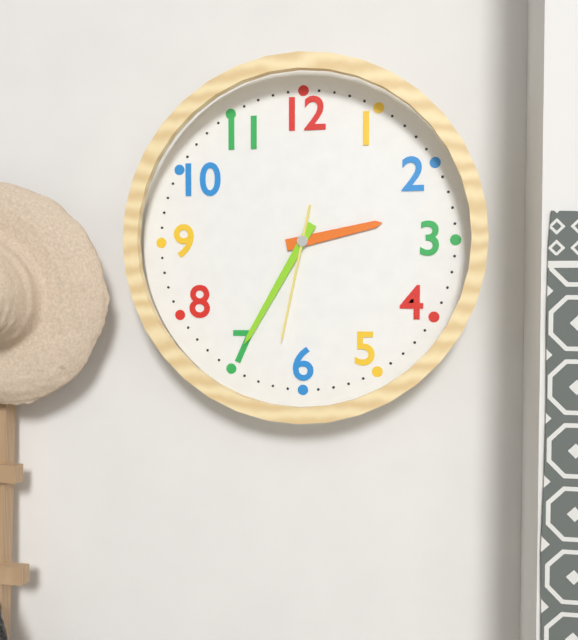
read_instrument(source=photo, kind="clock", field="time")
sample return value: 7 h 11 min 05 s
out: 2 h 35 min 32 s
